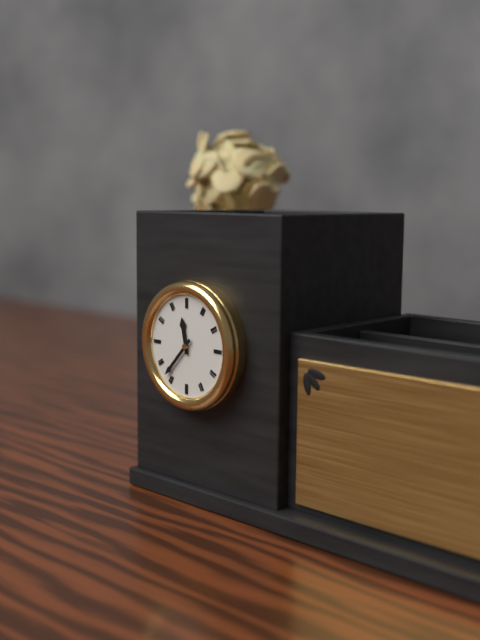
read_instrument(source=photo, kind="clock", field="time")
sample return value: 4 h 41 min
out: 11 h 37 min
